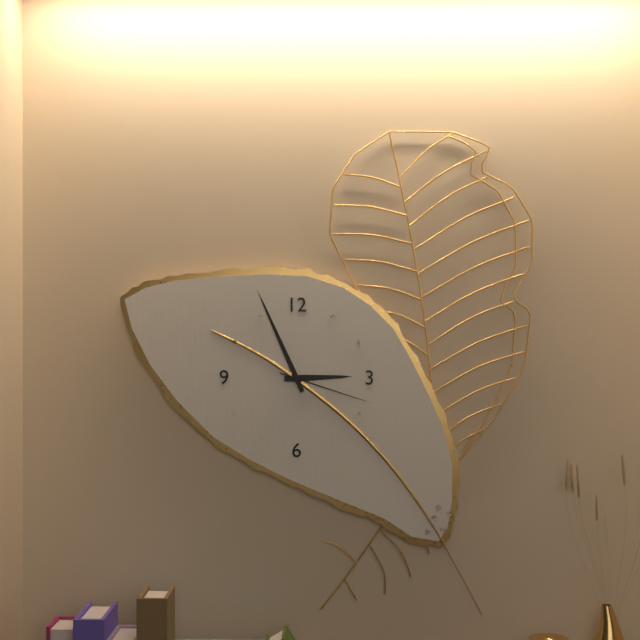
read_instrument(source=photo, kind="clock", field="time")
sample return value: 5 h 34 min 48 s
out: 2 h 56 min 18 s
